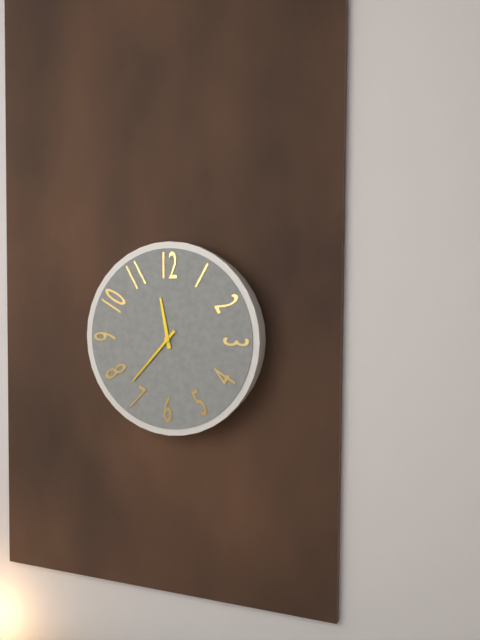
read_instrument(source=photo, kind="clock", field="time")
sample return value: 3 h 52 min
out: 11 h 37 min
